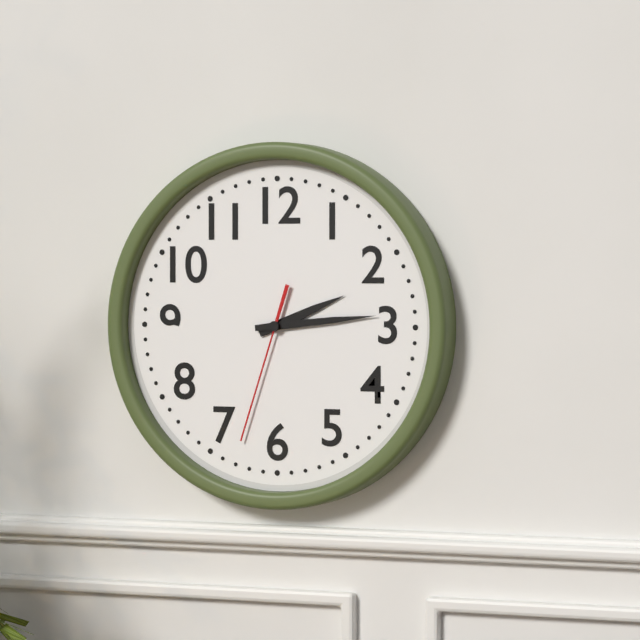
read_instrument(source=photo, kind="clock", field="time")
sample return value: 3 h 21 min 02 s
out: 2 h 14 min 33 s
